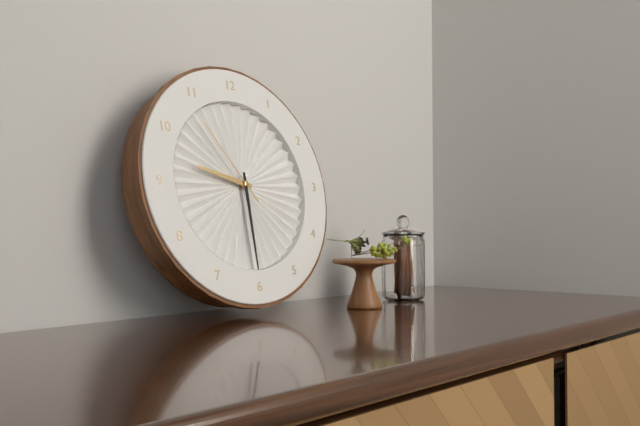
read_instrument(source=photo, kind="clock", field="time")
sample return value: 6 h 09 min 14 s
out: 9 h 30 min 54 s
